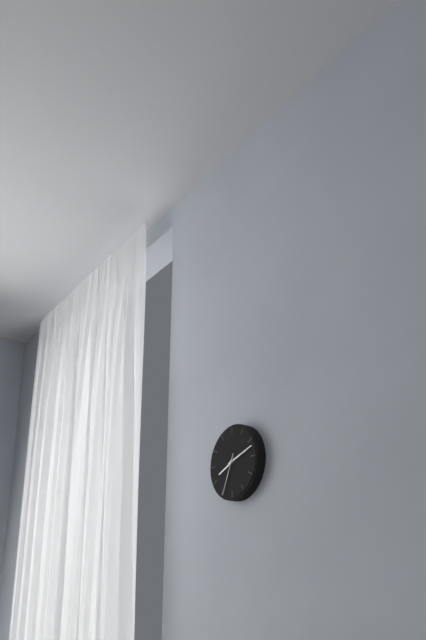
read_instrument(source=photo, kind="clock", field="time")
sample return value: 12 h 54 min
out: 8 h 12 min
